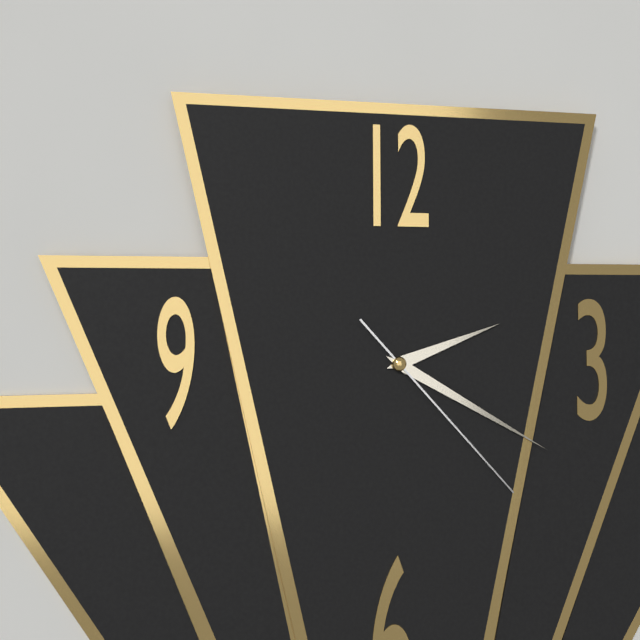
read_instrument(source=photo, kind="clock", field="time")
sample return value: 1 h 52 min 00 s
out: 2 h 20 min 23 s
